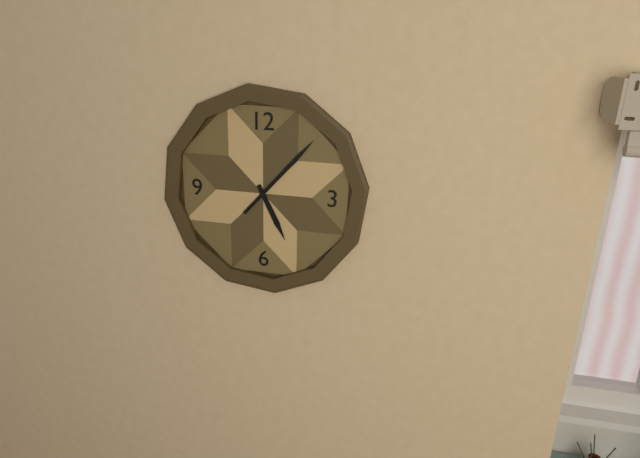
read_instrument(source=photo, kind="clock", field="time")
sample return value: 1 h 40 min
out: 5 h 07 min
